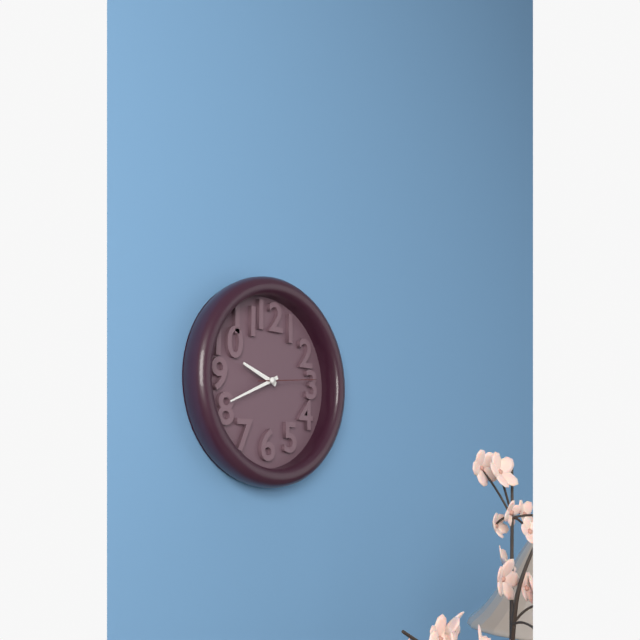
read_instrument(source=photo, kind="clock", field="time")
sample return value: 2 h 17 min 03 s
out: 9 h 41 min 14 s
